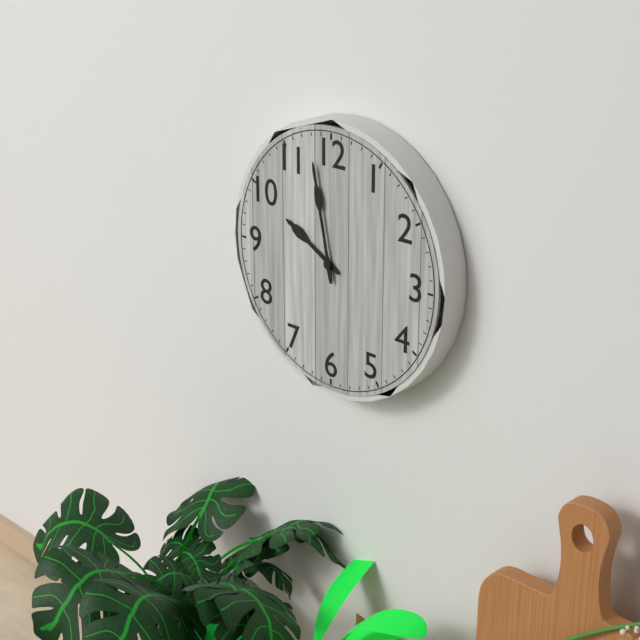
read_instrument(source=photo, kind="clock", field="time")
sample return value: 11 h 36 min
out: 9 h 58 min
